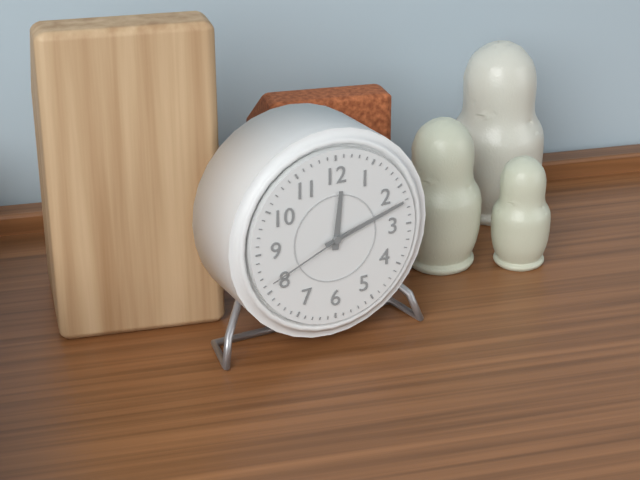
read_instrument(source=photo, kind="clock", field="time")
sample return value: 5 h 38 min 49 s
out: 12 h 12 min 41 s
